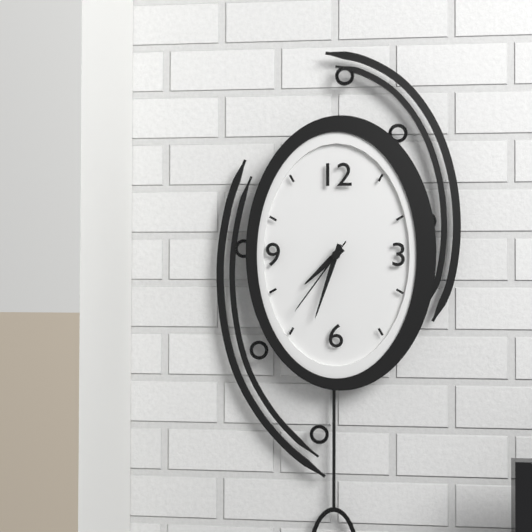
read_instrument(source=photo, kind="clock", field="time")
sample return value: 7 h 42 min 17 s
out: 7 h 33 min 36 s
